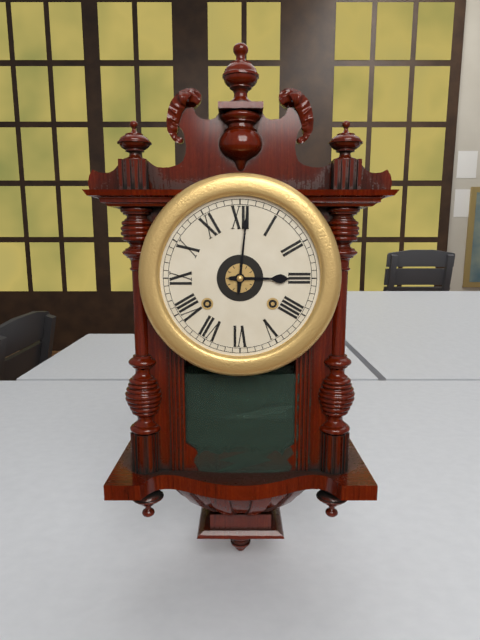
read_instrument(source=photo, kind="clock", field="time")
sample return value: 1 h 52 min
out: 3 h 01 min
